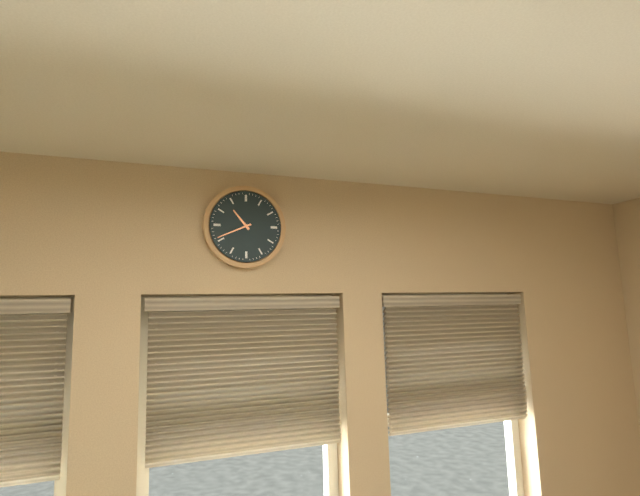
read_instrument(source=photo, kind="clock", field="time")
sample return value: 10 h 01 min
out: 10 h 41 min
